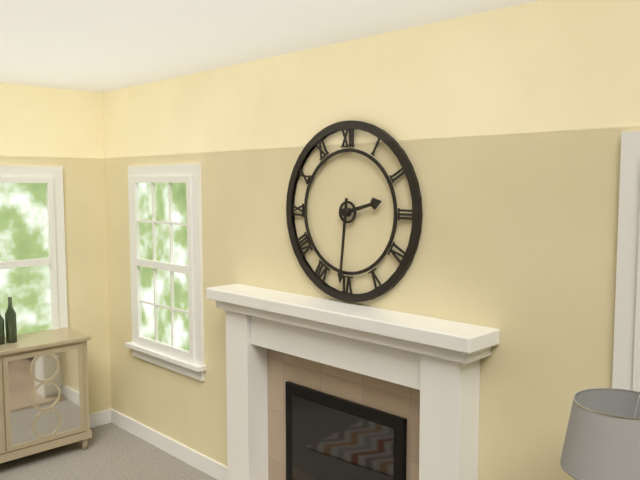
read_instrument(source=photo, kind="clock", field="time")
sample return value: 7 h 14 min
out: 2 h 31 min
